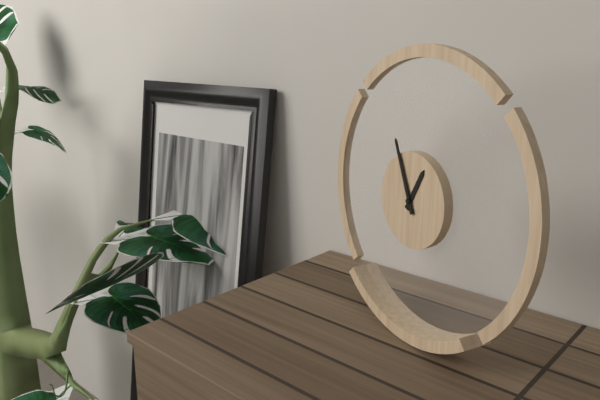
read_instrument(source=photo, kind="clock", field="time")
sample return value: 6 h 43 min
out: 12 h 56 min
